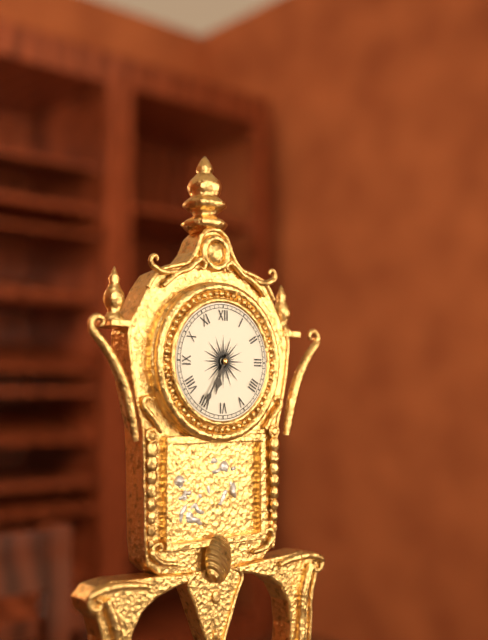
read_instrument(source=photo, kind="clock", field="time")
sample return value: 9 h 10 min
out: 6 h 35 min
